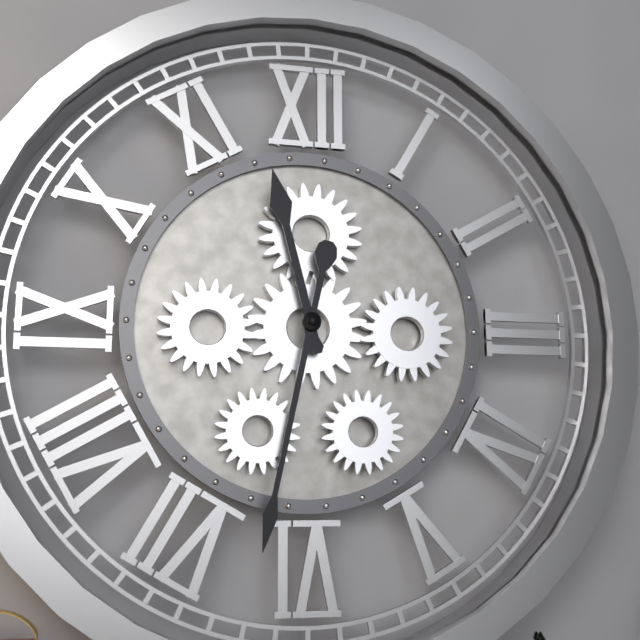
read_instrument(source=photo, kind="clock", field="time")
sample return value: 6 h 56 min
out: 11 h 32 min
